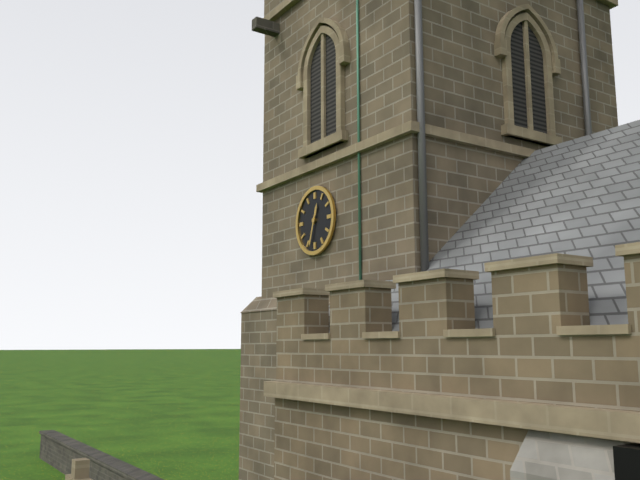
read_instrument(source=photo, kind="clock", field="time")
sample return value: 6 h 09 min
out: 12 h 33 min
